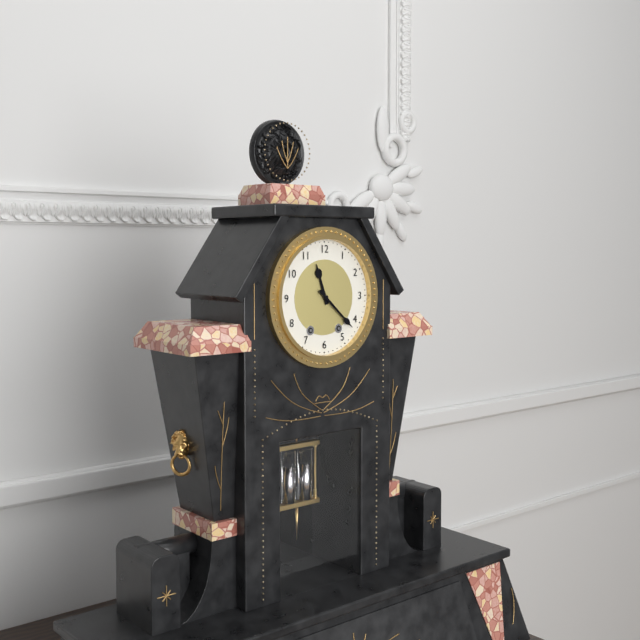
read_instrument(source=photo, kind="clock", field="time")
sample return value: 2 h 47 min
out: 11 h 22 min
